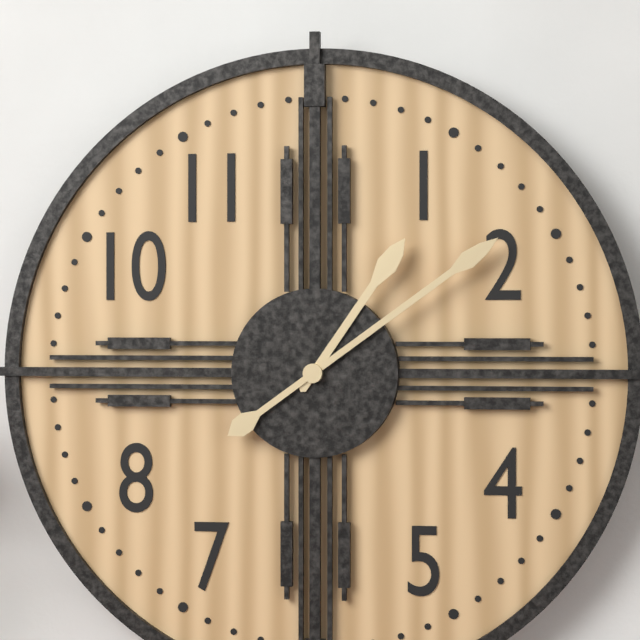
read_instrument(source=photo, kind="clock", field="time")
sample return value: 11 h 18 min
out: 1 h 09 min
